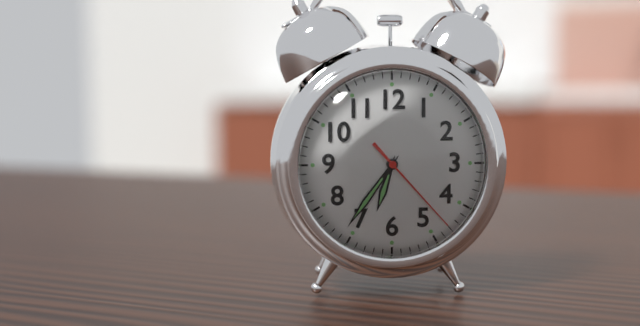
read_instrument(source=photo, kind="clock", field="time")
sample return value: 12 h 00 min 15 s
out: 6 h 36 min 23 s
